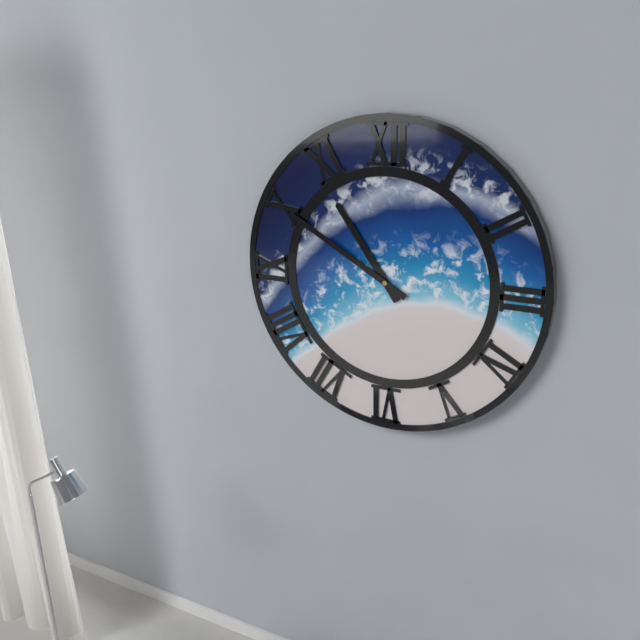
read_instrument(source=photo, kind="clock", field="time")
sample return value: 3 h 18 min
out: 10 h 50 min
